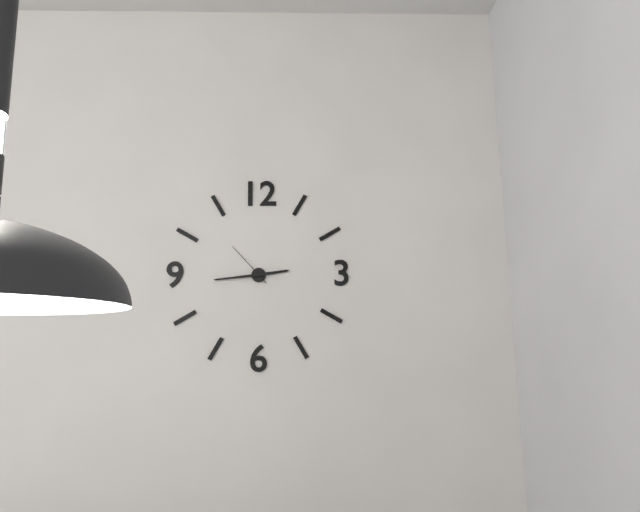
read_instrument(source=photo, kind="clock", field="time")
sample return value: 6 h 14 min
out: 2 h 44 min
